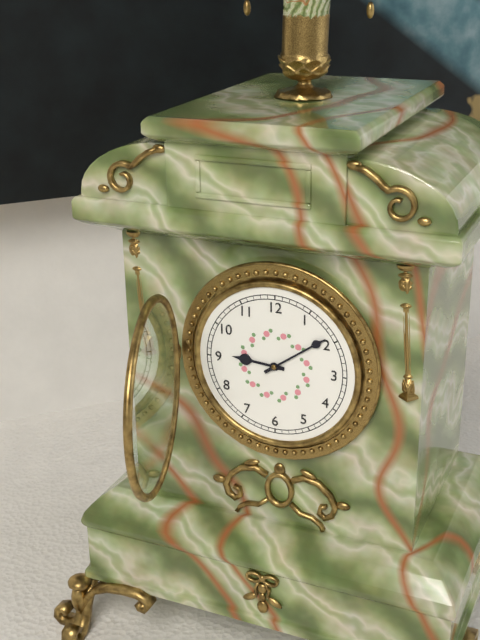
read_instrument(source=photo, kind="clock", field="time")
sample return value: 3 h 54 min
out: 9 h 09 min
